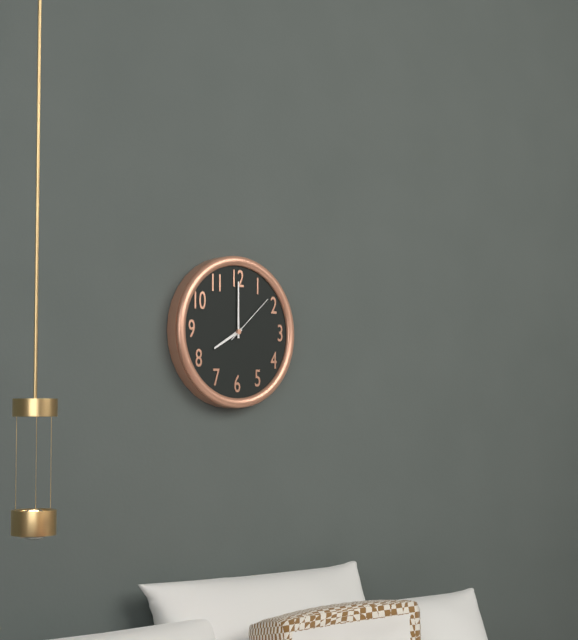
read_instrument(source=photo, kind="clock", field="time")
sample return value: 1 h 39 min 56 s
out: 8 h 00 min 08 s
